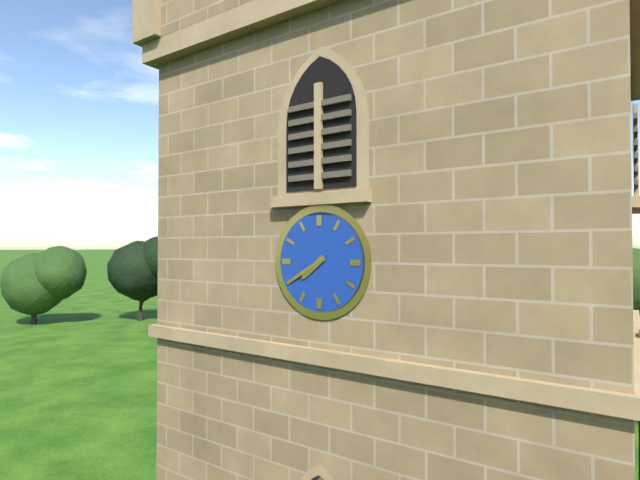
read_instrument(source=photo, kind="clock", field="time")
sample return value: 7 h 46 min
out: 7 h 40 min
